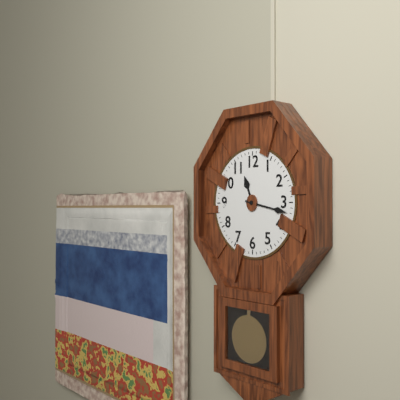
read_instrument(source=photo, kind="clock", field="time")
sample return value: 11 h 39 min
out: 11 h 17 min
